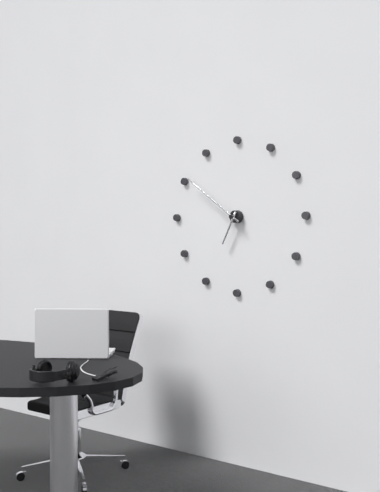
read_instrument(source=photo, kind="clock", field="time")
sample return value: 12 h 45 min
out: 6 h 51 min
